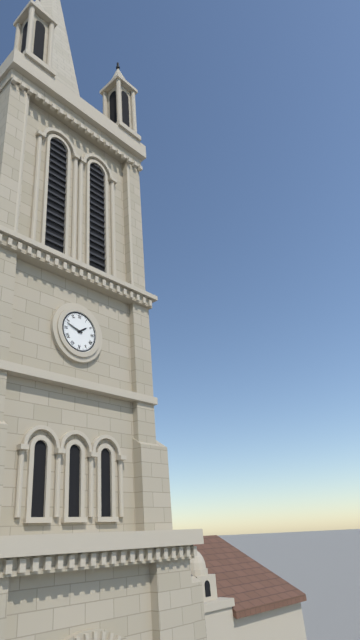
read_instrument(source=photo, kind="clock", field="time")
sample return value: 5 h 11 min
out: 1 h 48 min
